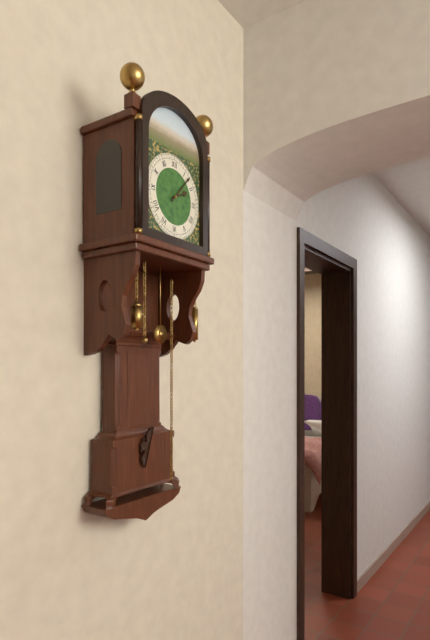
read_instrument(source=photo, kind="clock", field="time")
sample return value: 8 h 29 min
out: 2 h 07 min
